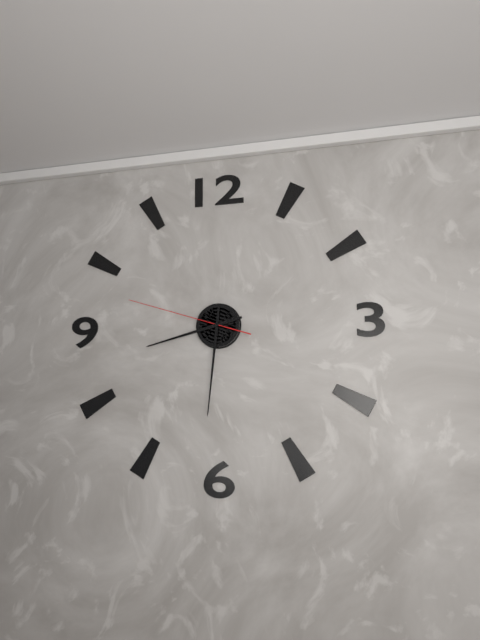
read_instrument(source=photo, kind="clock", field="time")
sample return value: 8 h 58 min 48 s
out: 8 h 31 min 48 s
